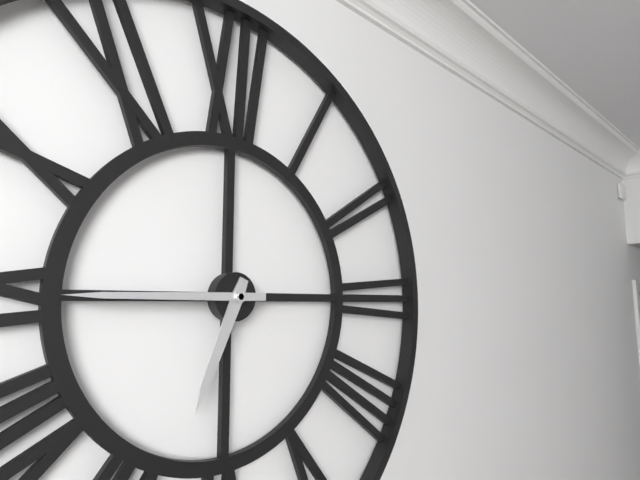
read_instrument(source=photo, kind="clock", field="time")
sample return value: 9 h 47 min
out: 6 h 45 min
